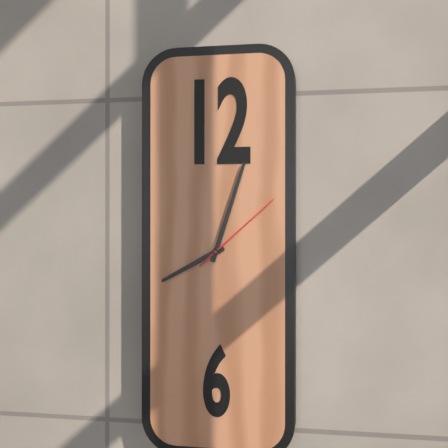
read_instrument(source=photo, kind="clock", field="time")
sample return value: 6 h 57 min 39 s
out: 8 h 03 min 08 s
